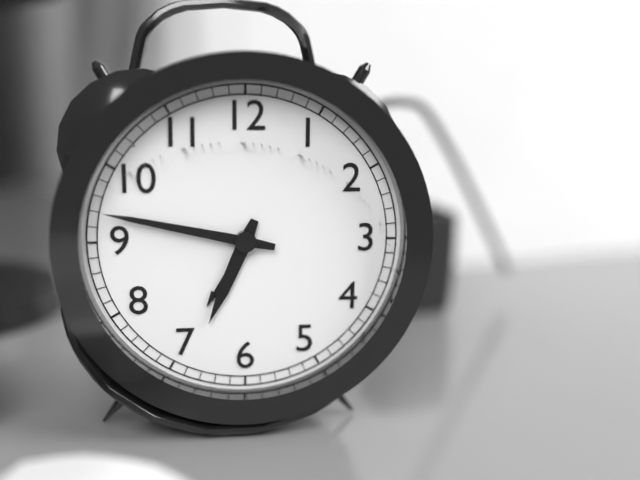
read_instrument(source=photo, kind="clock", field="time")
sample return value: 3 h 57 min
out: 6 h 47 min
